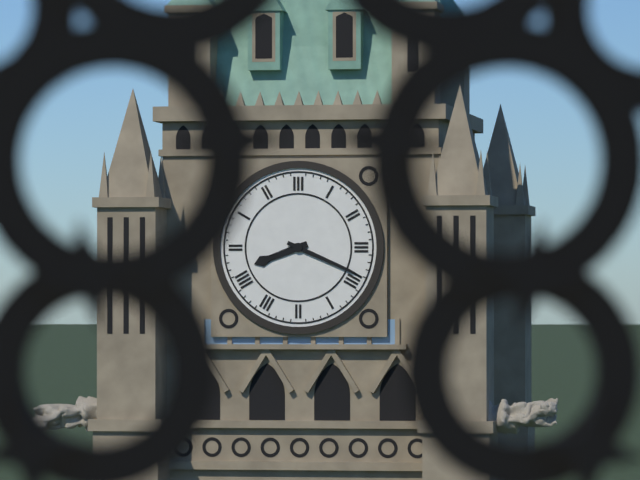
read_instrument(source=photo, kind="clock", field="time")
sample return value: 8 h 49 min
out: 8 h 19 min
